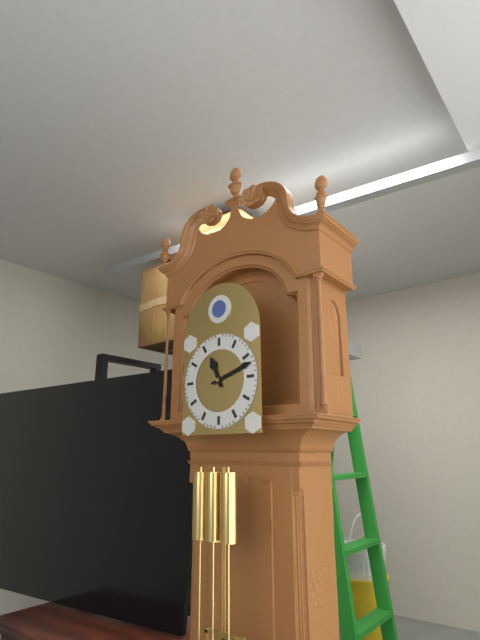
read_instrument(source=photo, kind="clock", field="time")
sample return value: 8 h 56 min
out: 11 h 12 min
